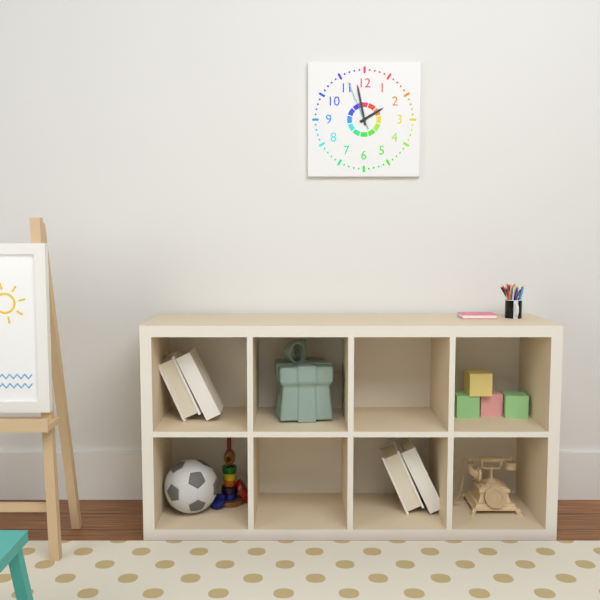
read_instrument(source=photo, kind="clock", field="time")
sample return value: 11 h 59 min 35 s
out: 1 h 58 min 56 s
